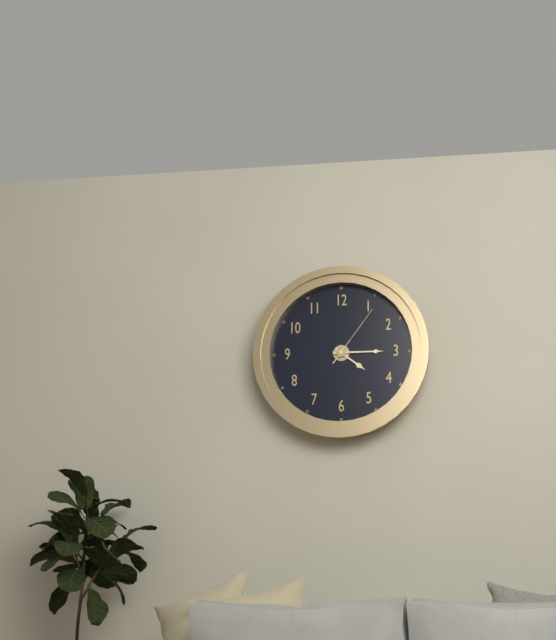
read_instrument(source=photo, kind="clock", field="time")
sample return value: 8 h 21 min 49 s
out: 4 h 15 min 06 s
